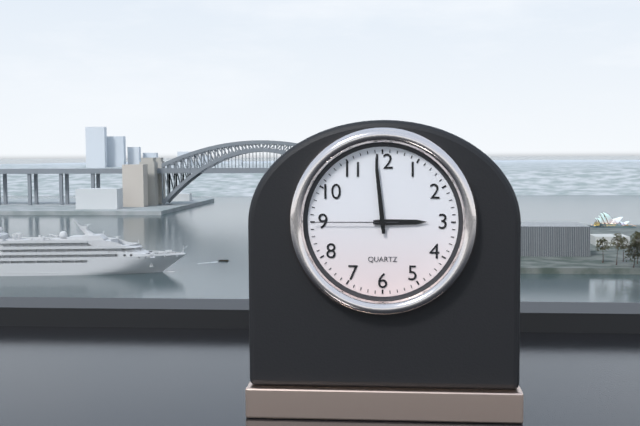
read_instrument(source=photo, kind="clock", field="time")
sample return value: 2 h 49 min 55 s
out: 2 h 59 min 45 s
